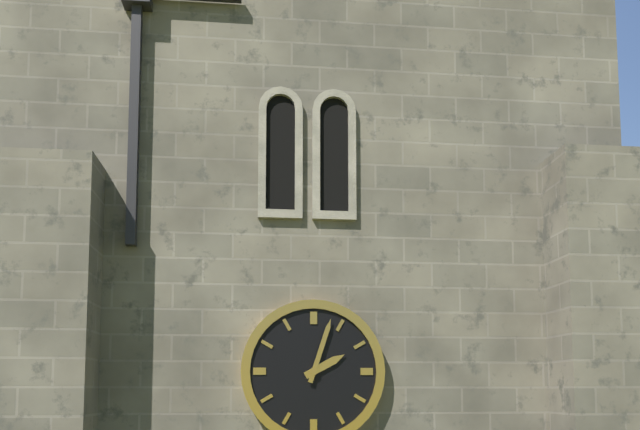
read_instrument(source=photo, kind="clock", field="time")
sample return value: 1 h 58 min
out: 2 h 03 min
